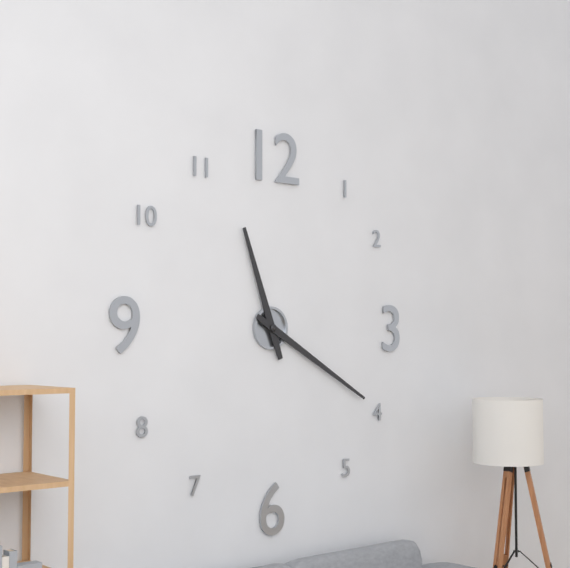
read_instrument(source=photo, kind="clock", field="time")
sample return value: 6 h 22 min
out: 11 h 20 min
